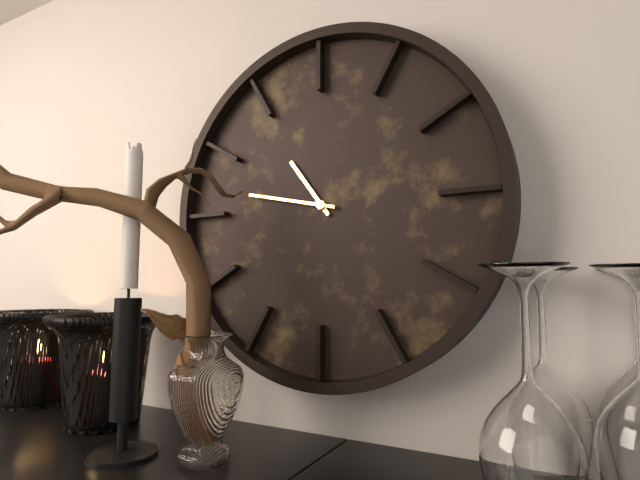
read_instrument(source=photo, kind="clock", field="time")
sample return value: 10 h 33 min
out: 10 h 47 min
